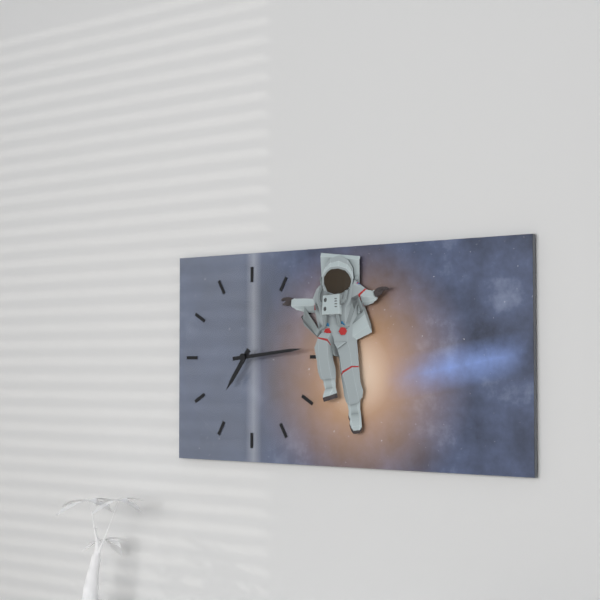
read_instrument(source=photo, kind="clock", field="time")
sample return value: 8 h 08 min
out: 7 h 14 min
